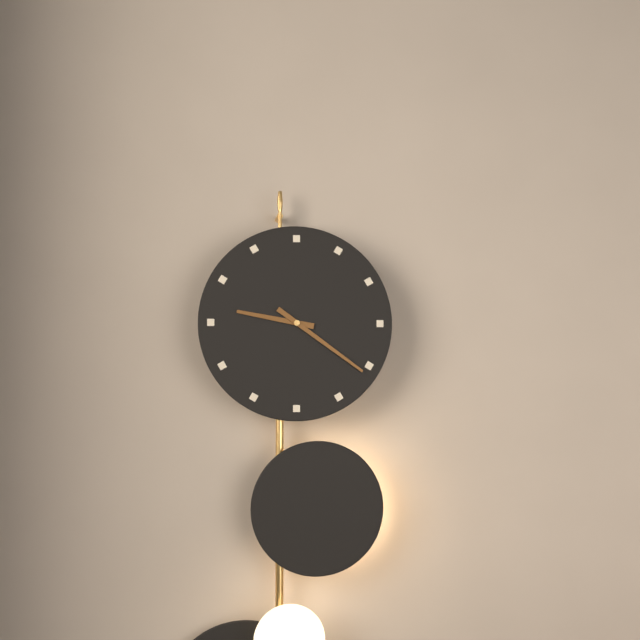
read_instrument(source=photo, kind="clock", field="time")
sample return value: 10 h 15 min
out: 9 h 21 min
